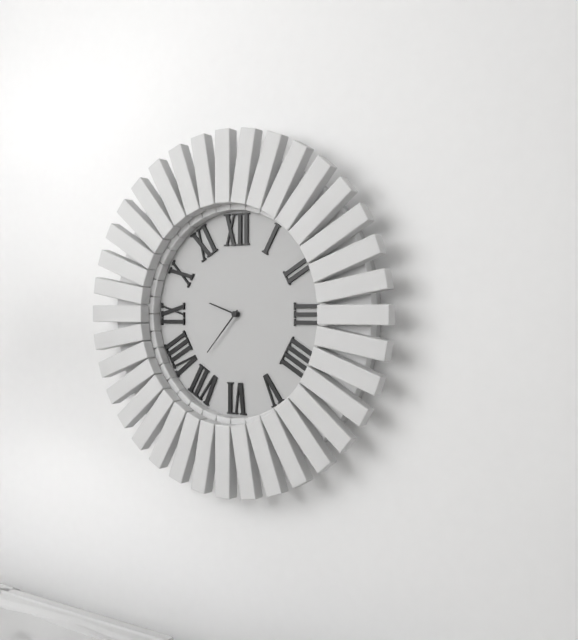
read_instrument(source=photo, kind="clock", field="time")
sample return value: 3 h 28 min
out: 9 h 37 min
